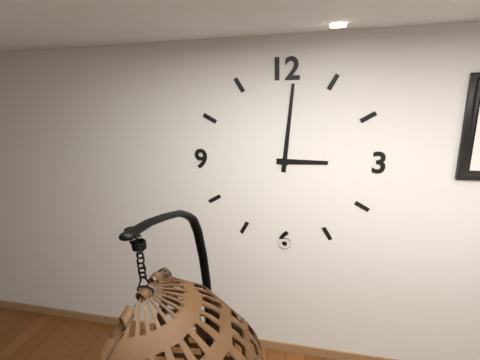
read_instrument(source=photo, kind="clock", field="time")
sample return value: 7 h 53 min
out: 3 h 01 min
